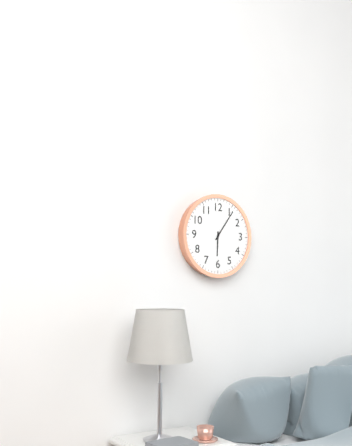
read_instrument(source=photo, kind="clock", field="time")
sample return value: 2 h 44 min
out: 6 h 06 min
